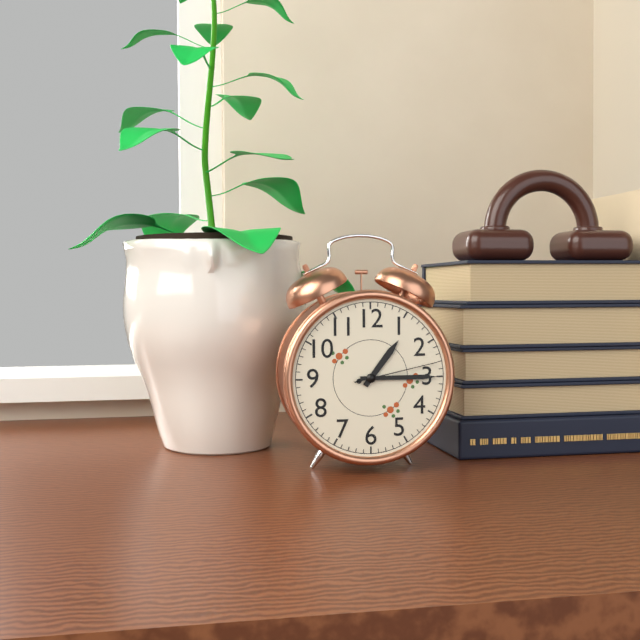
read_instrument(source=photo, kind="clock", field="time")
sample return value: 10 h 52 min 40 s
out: 1 h 15 min 13 s
